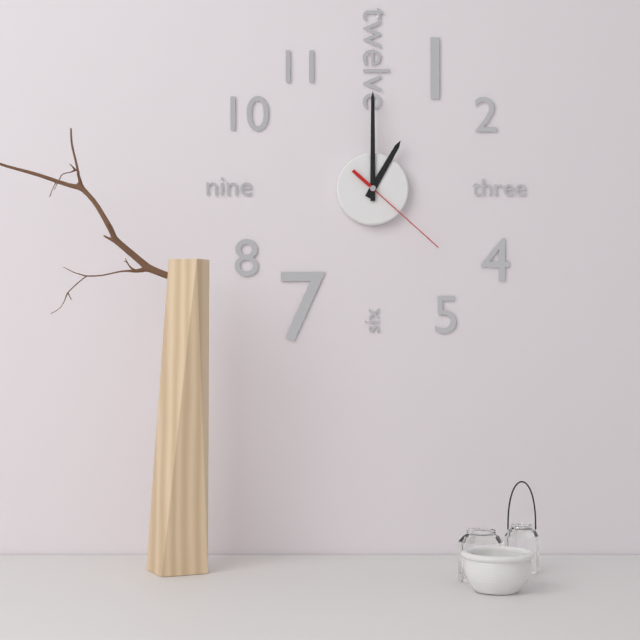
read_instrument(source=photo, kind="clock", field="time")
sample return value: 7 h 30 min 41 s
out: 1 h 00 min 22 s
